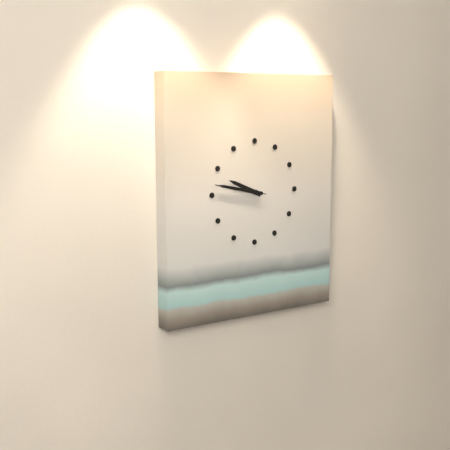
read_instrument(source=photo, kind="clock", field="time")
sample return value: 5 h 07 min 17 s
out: 9 h 47 min 47 s
